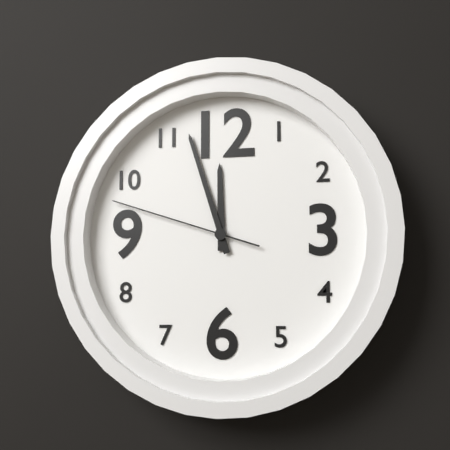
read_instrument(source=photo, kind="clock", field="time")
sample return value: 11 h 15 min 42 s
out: 11 h 57 min 48 s
